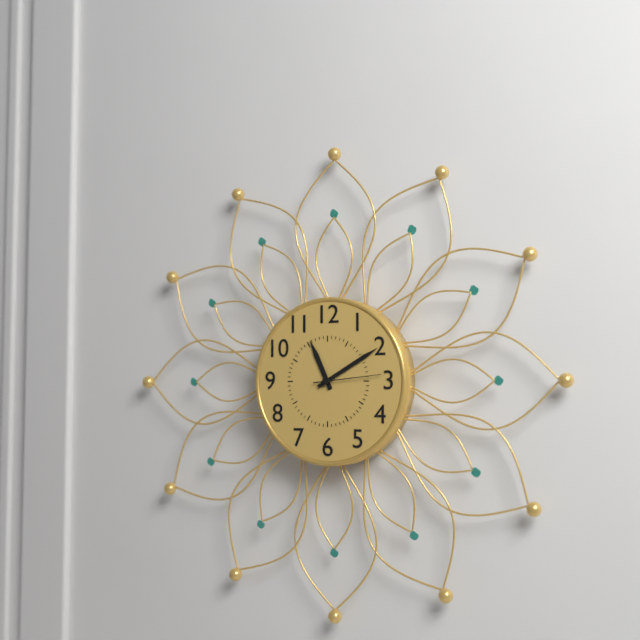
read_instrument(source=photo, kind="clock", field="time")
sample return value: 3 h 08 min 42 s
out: 11 h 10 min 14 s
